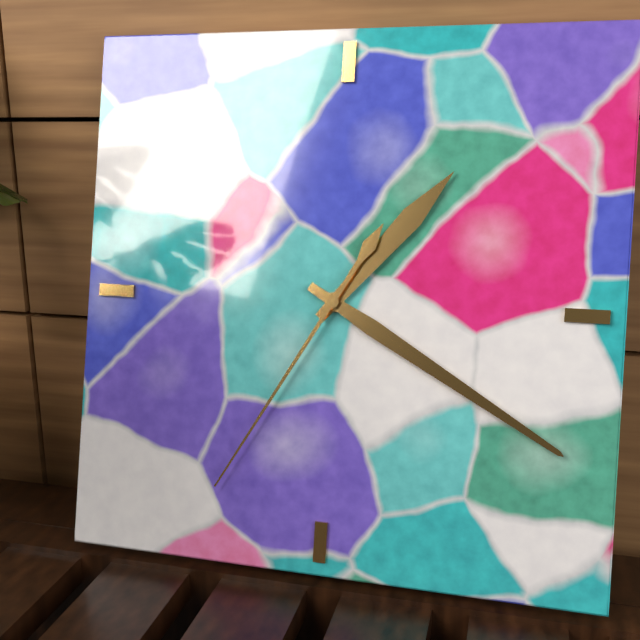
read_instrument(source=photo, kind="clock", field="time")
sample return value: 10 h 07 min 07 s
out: 1 h 20 min 35 s
